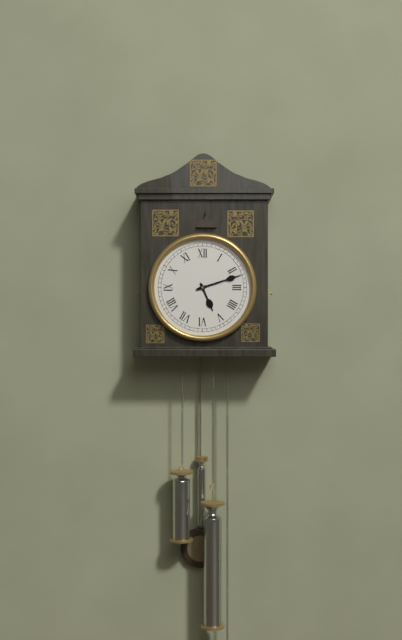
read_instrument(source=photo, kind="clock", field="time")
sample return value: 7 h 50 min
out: 5 h 12 min
